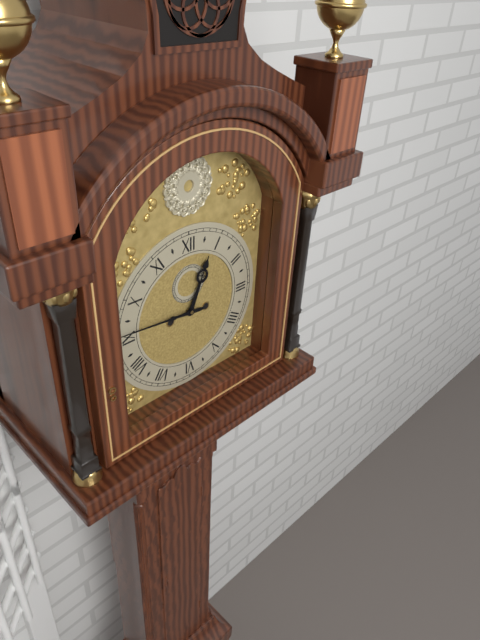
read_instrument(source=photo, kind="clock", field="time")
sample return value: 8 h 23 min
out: 12 h 46 min
